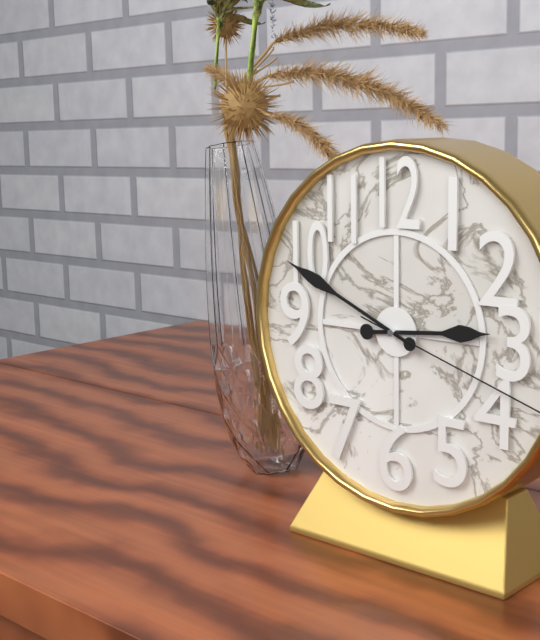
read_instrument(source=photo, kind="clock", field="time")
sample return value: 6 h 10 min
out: 2 h 49 min
